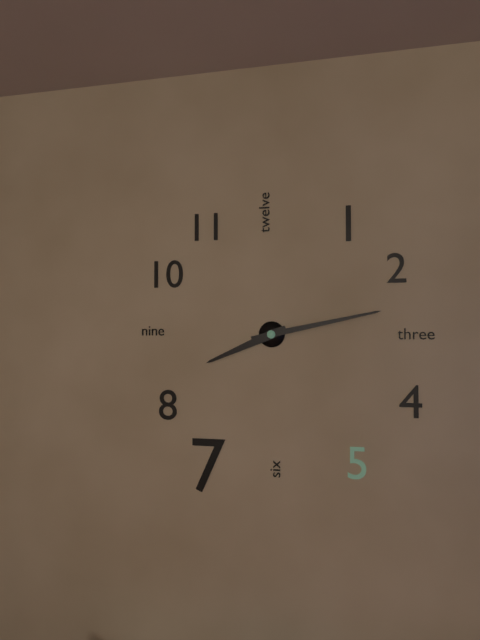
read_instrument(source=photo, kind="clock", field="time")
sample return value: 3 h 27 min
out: 8 h 13 min
